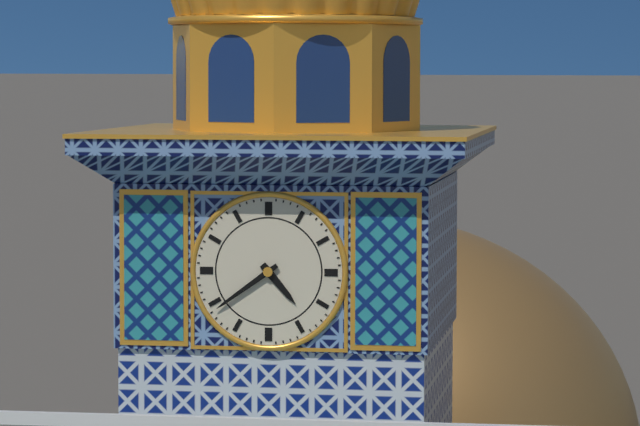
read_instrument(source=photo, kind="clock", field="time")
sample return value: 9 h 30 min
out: 4 h 39 min
